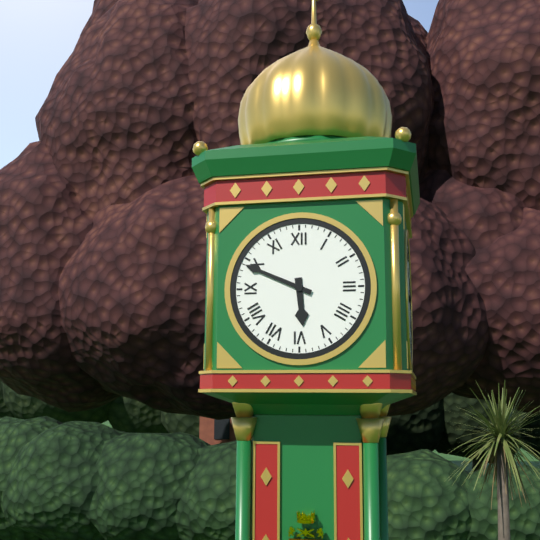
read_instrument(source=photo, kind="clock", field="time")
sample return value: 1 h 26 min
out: 5 h 49 min
